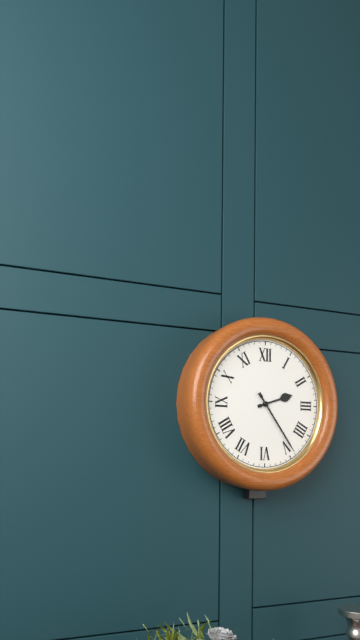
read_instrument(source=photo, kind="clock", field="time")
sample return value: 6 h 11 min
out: 2 h 24 min
